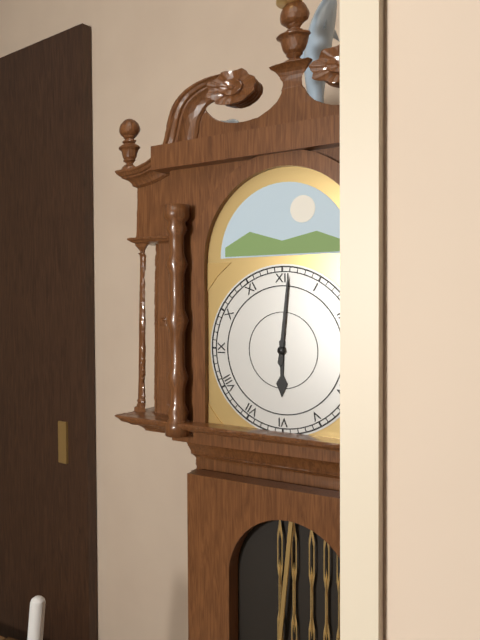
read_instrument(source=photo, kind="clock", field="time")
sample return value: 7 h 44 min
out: 6 h 01 min
